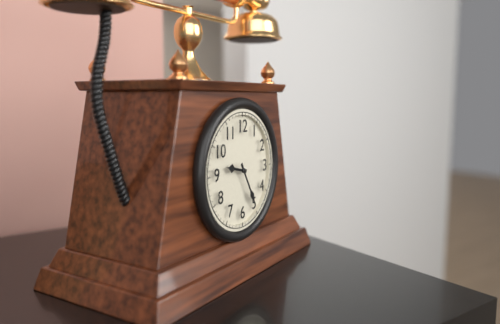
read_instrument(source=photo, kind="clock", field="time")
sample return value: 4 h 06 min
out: 9 h 25 min
